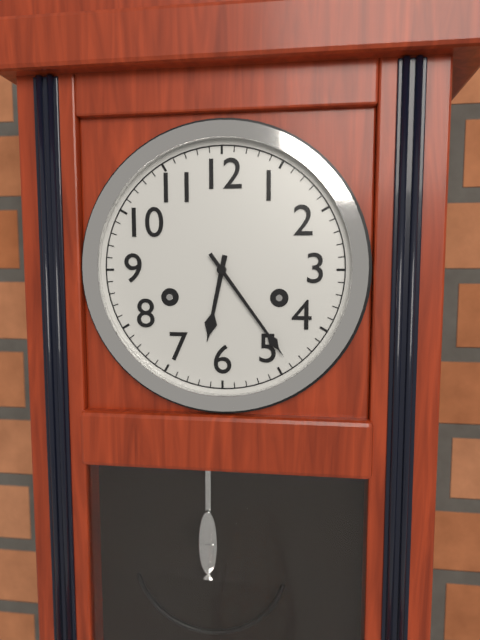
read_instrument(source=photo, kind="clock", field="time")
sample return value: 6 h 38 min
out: 6 h 24 min
